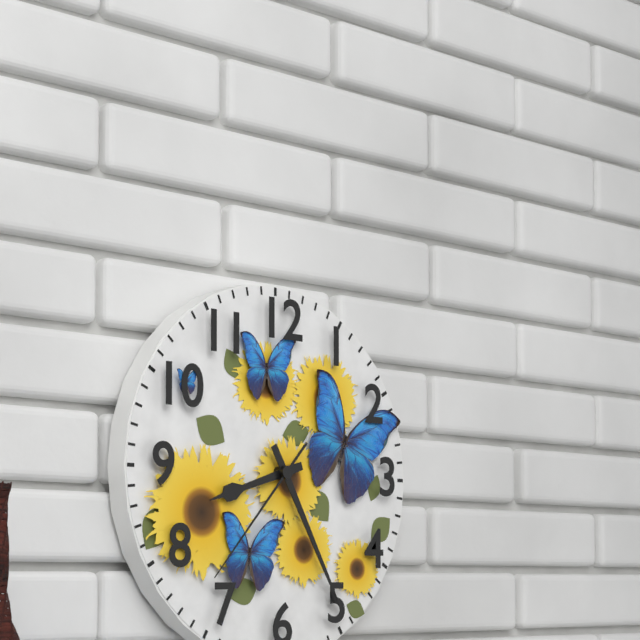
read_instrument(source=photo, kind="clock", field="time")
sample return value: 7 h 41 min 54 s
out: 8 h 25 min 37 s
